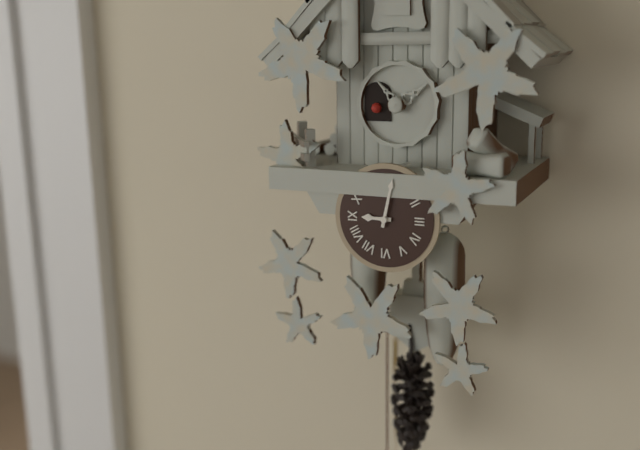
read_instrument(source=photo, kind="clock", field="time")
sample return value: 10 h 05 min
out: 9 h 02 min
